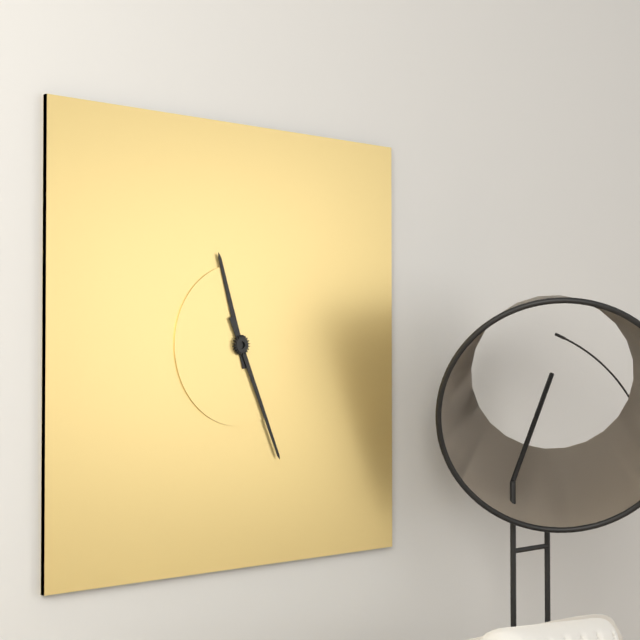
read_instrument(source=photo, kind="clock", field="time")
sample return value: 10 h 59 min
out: 11 h 26 min
